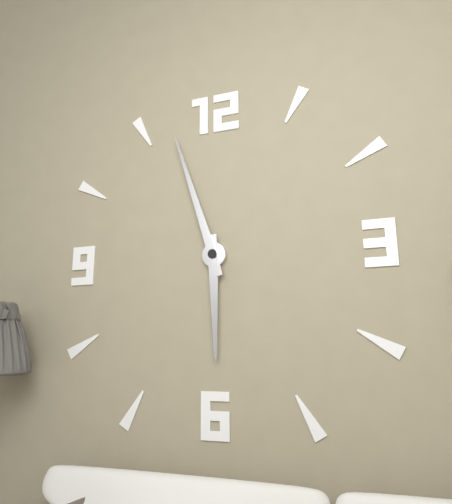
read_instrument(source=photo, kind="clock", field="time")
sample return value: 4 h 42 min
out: 5 h 57 min
